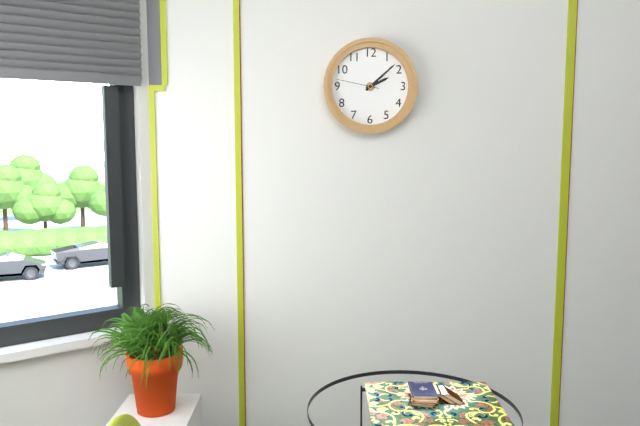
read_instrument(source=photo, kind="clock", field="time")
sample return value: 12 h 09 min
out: 2 h 08 min
